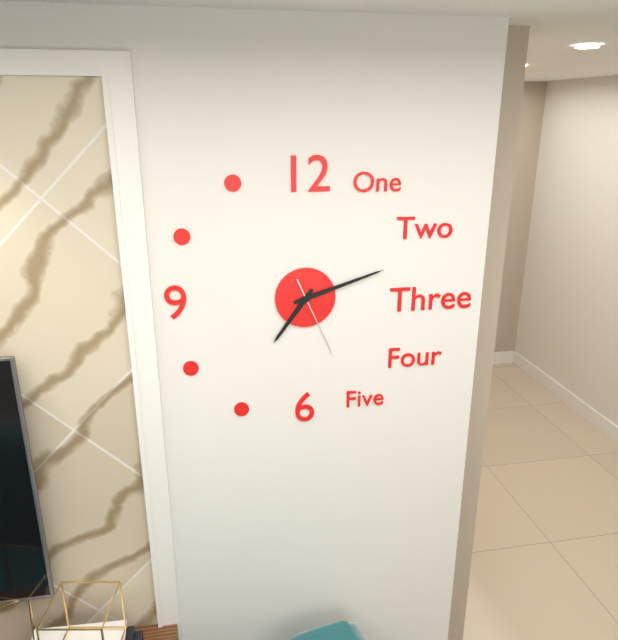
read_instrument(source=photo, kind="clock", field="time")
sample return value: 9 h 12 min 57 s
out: 7 h 12 min 26 s
